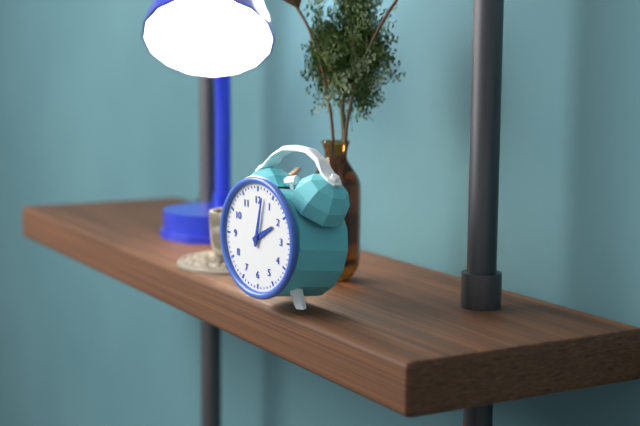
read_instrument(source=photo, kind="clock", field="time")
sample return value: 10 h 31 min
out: 2 h 02 min
